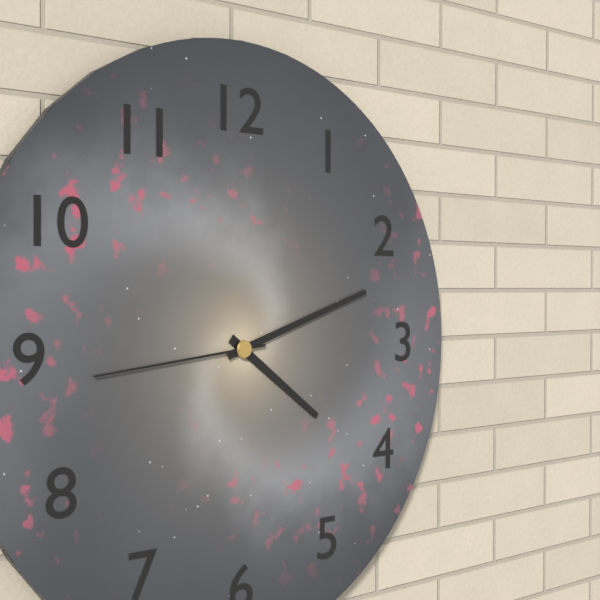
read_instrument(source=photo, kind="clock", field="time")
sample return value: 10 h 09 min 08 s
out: 4 h 12 min 44 s
